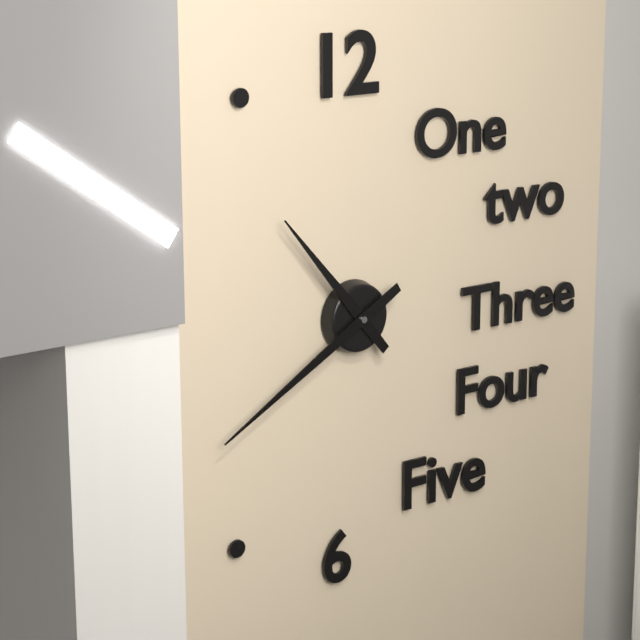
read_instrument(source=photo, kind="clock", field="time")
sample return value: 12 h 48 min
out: 10 h 40 min
